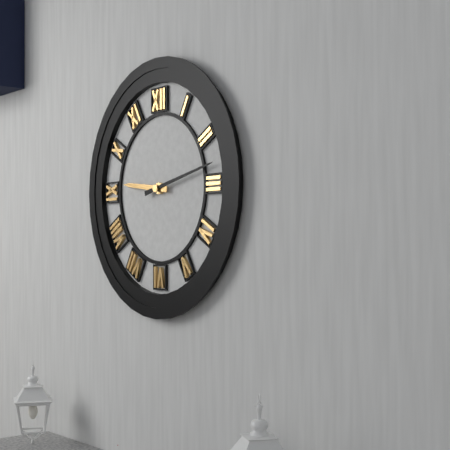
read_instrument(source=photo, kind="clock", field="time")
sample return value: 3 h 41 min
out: 9 h 13 min
